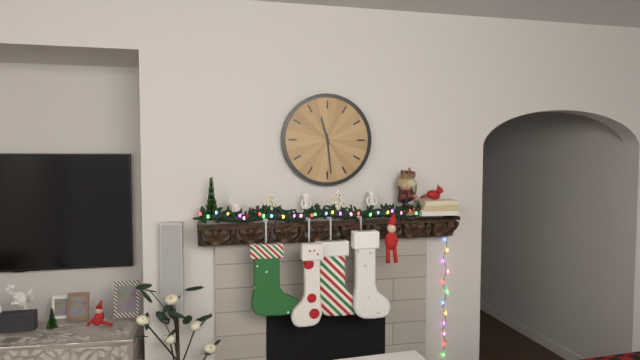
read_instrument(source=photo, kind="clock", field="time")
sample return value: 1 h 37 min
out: 11 h 29 min
